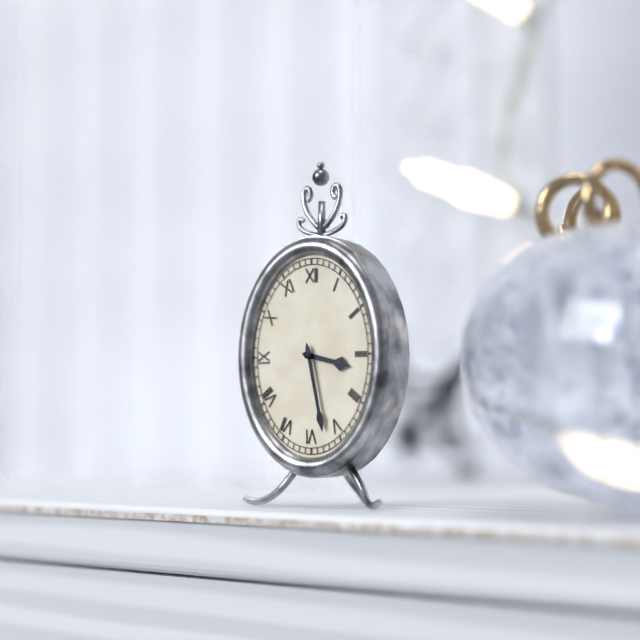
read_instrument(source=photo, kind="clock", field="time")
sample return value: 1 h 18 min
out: 3 h 28 min
